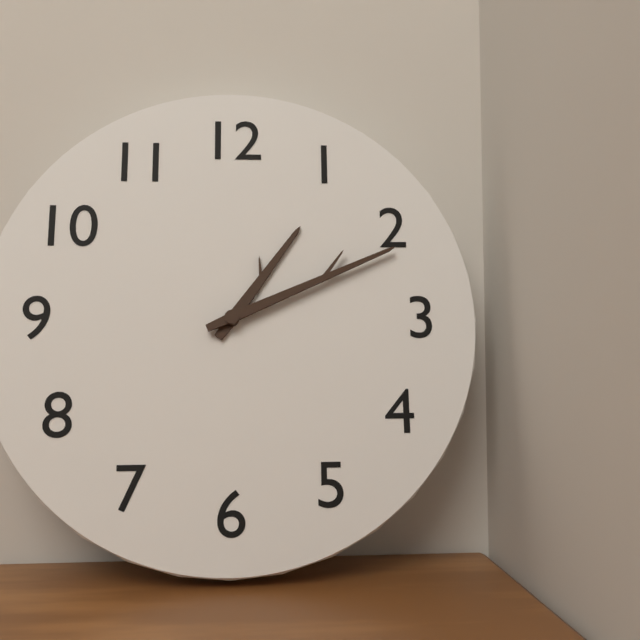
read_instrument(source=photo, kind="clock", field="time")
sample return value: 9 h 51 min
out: 1 h 11 min
